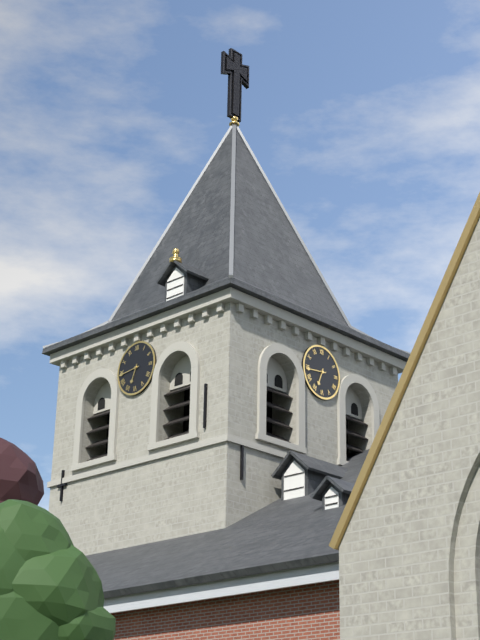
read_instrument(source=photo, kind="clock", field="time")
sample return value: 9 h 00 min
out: 6 h 44 min
